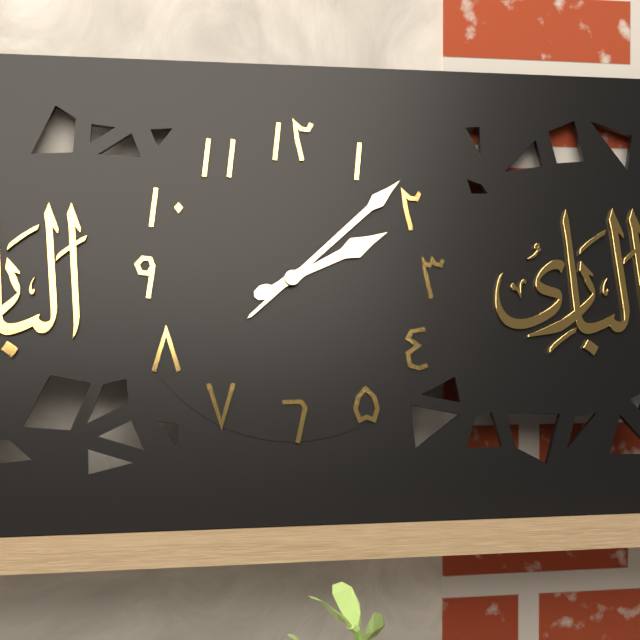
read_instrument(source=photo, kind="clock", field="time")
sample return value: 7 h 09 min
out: 2 h 08 min
